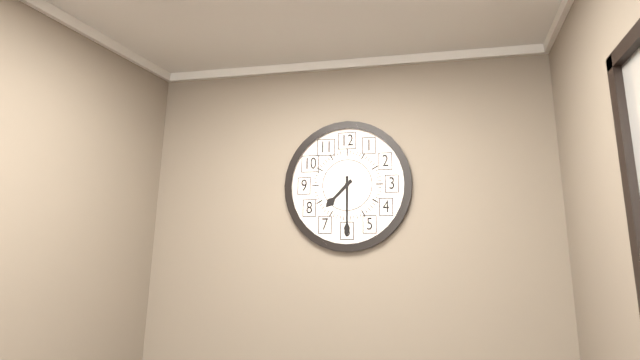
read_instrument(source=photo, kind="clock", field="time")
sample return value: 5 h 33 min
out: 7 h 30 min
